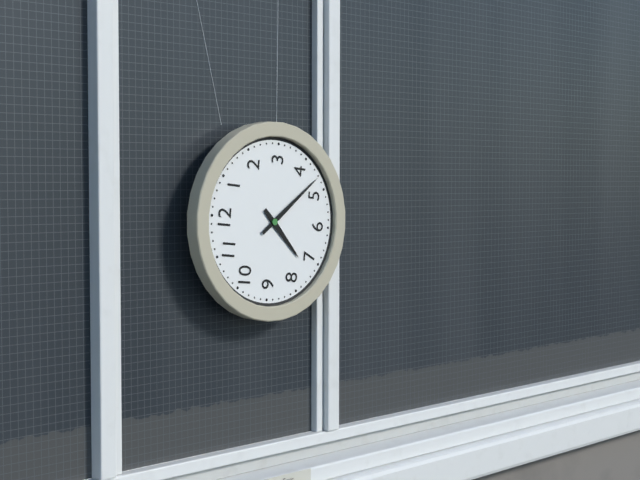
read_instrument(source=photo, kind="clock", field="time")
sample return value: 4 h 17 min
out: 7 h 23 min
